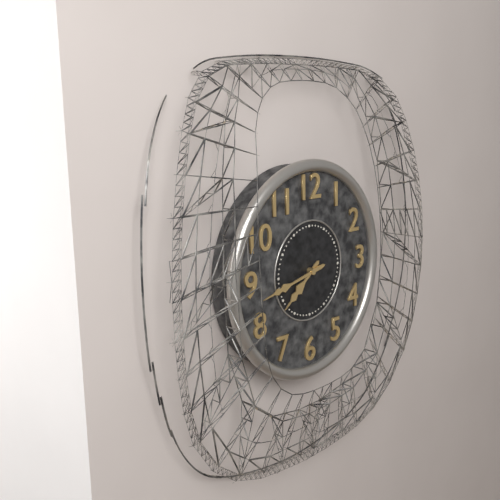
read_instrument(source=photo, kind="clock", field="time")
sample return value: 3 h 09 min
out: 7 h 43 min
